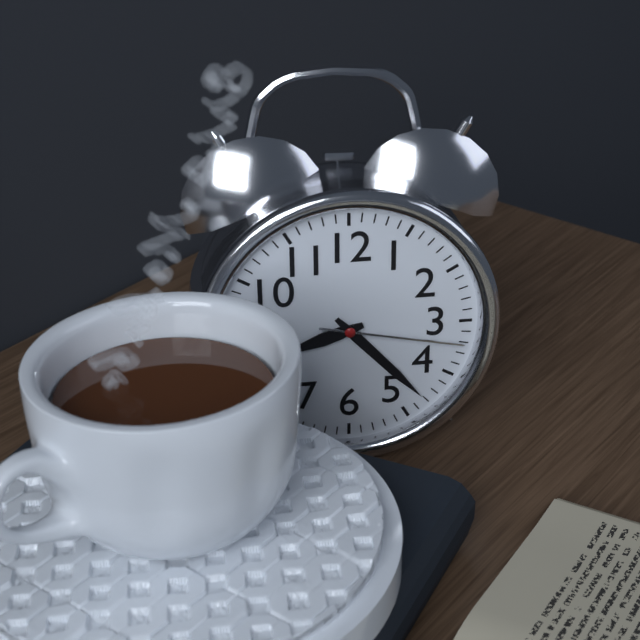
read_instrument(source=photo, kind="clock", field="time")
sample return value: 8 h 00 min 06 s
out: 8 h 23 min 17 s
